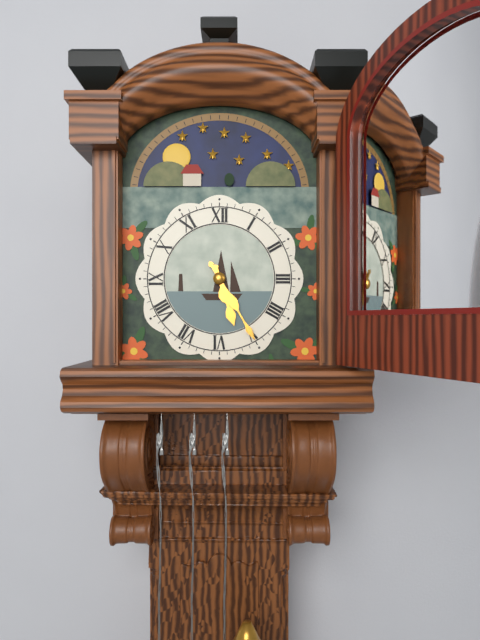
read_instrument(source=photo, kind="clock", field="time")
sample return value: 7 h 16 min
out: 5 h 25 min
